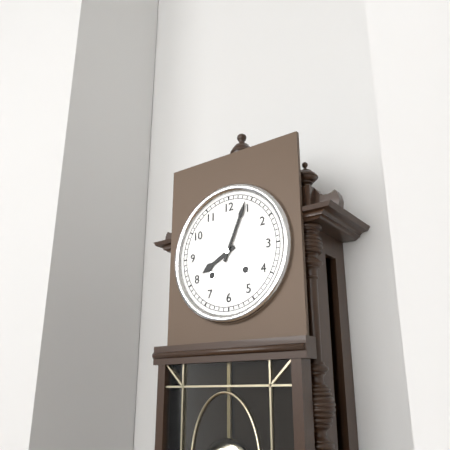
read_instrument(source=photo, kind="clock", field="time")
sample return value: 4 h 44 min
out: 8 h 04 min
